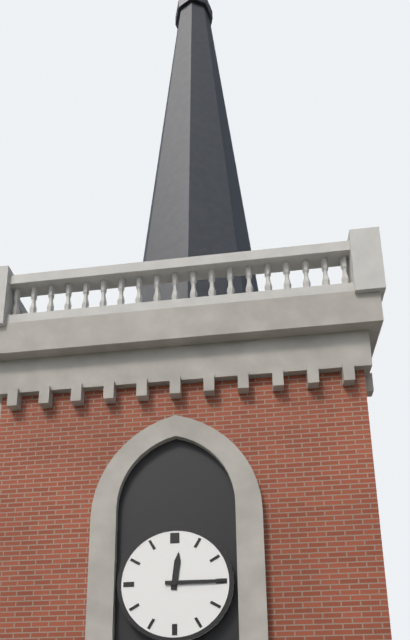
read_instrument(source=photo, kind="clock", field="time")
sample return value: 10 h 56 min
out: 12 h 15 min
